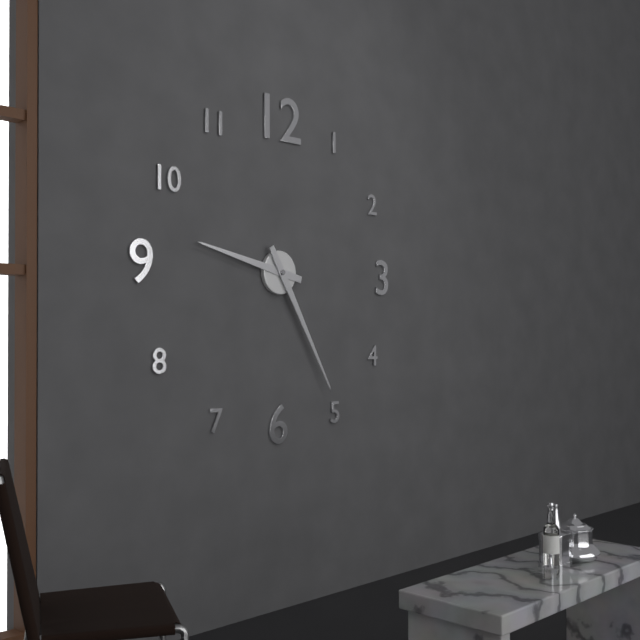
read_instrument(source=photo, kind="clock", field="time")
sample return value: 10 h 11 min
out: 9 h 25 min
